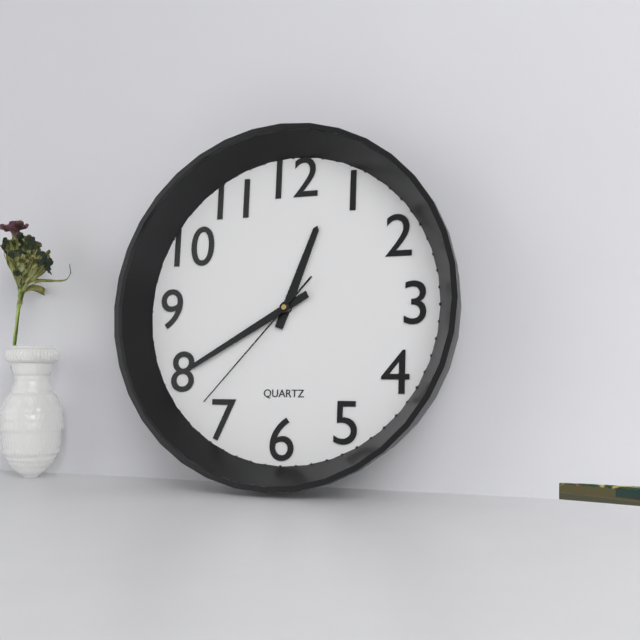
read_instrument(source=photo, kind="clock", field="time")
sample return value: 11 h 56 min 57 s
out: 12 h 40 min 37 s
